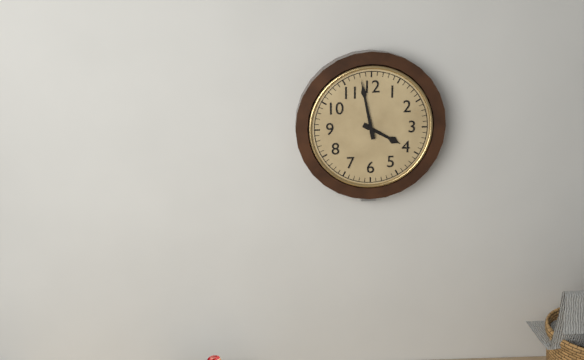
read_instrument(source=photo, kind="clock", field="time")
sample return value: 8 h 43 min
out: 3 h 58 min
